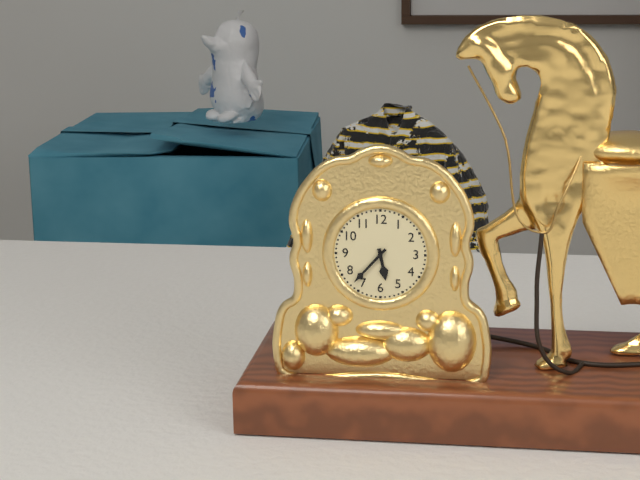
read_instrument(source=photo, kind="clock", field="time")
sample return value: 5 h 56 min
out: 5 h 37 min
